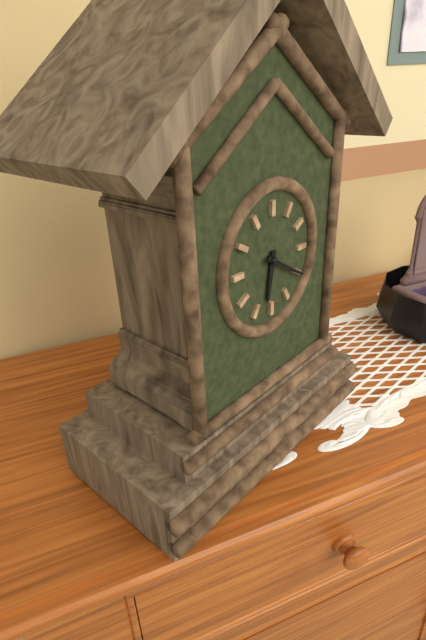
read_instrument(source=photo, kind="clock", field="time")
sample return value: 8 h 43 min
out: 6 h 20 min
